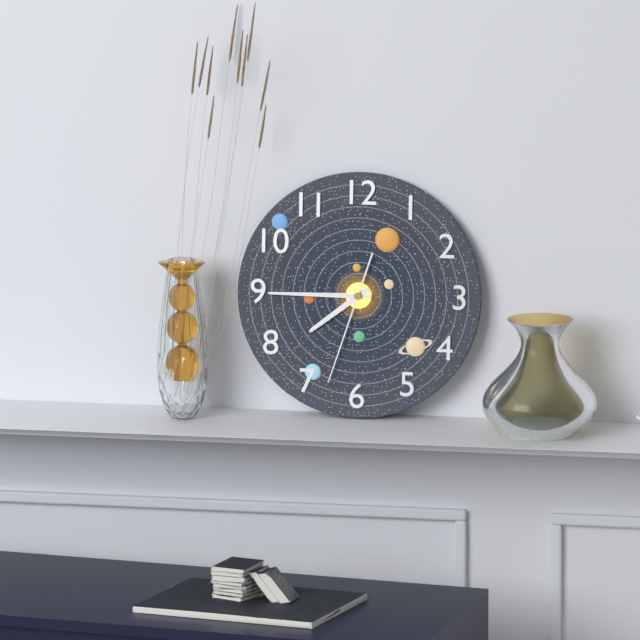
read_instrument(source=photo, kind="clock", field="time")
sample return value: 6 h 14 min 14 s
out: 7 h 45 min 33 s
